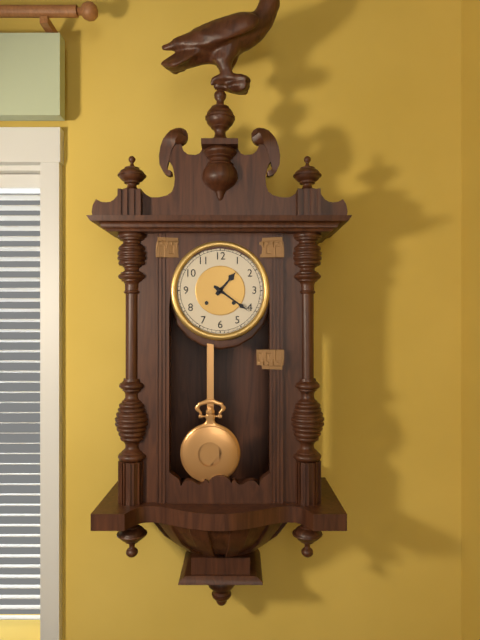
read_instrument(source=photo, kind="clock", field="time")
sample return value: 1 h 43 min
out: 1 h 21 min
